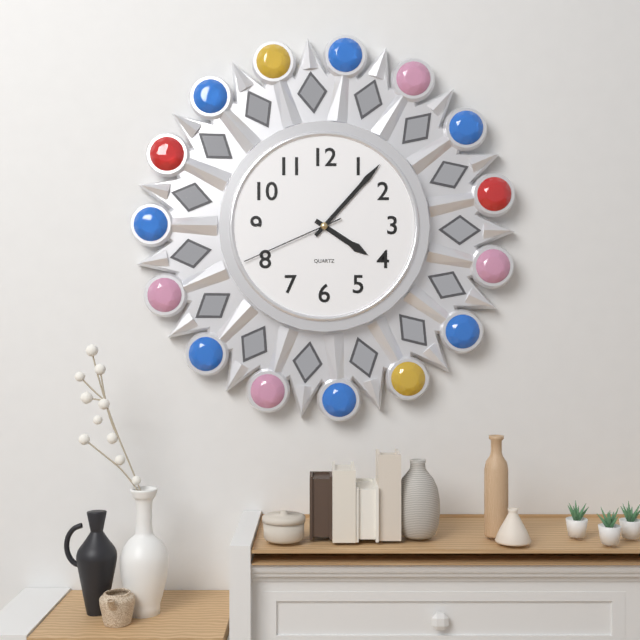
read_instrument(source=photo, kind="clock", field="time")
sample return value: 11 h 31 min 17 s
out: 4 h 07 min 41 s
